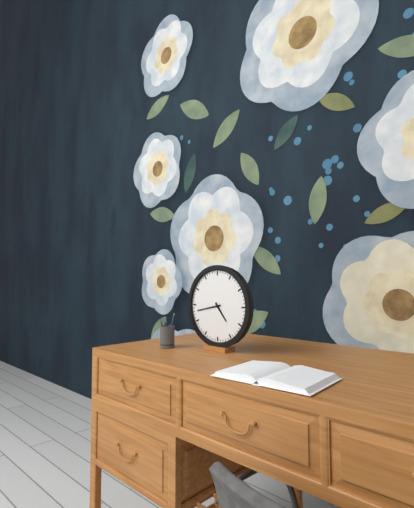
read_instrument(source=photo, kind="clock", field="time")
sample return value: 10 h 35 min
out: 4 h 43 min
